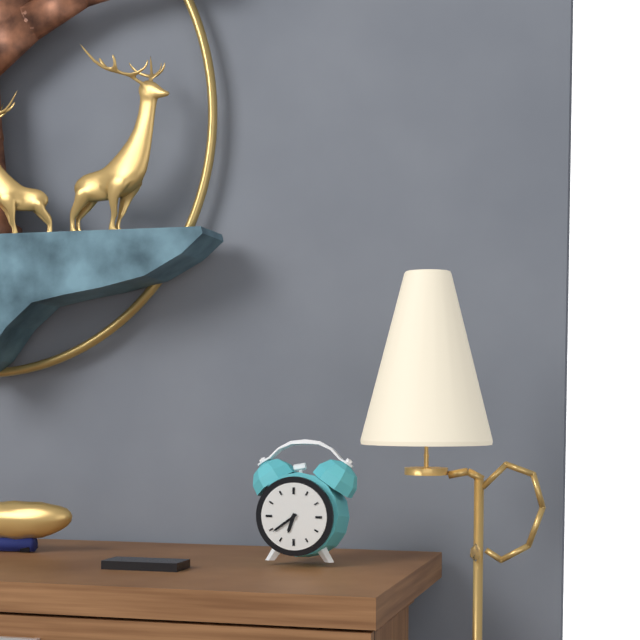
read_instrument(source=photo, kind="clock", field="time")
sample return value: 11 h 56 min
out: 6 h 39 min
